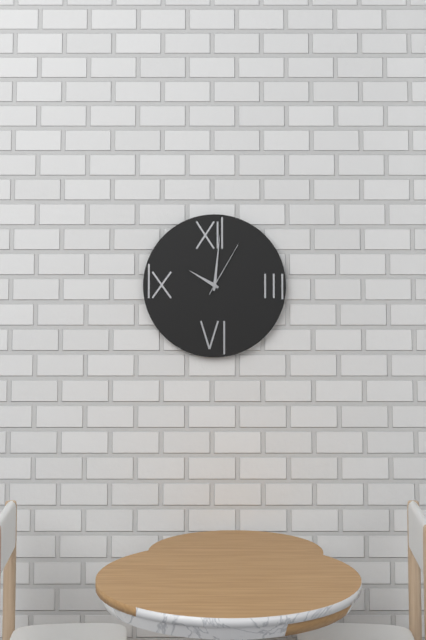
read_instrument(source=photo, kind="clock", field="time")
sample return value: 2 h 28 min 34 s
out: 10 h 01 min 05 s
